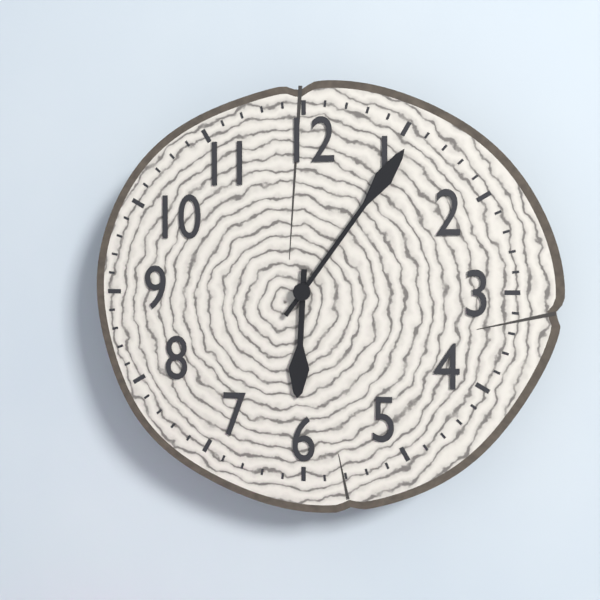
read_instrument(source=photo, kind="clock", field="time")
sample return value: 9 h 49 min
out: 6 h 06 min
